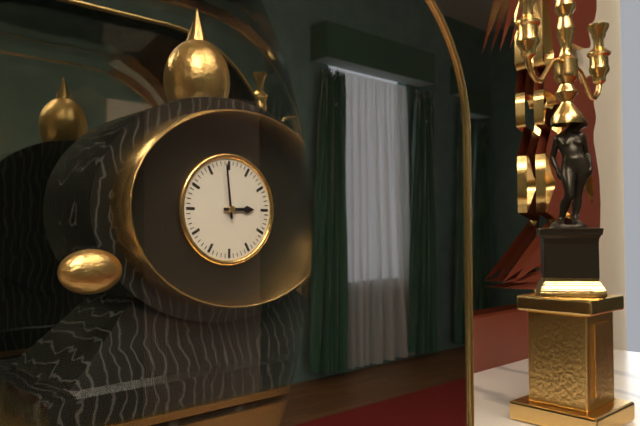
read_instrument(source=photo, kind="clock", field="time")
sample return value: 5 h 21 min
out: 2 h 59 min
